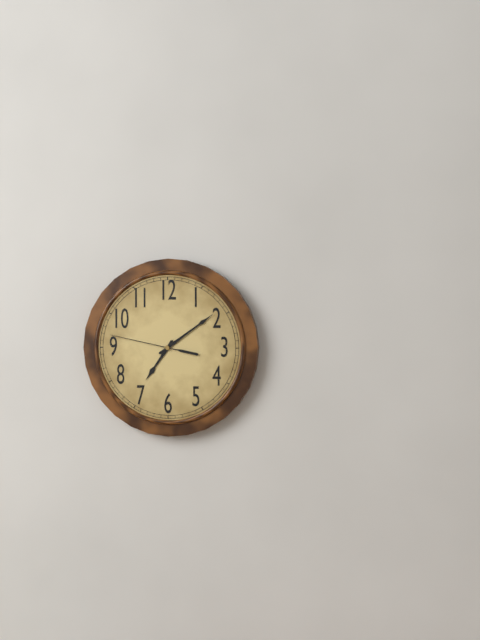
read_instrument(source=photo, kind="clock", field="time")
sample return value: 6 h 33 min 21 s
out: 7 h 09 min 47 s
